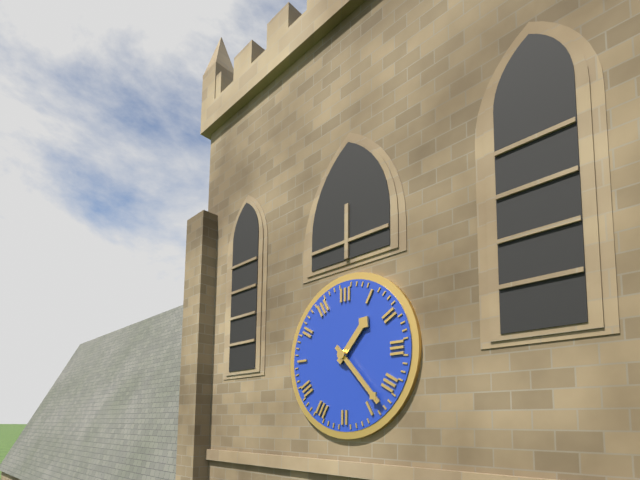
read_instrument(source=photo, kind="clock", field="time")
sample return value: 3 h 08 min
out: 1 h 23 min
